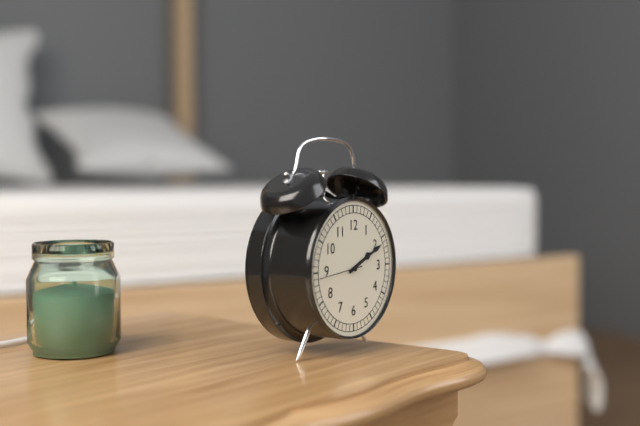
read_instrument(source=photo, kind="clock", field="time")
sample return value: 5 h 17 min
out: 2 h 11 min
